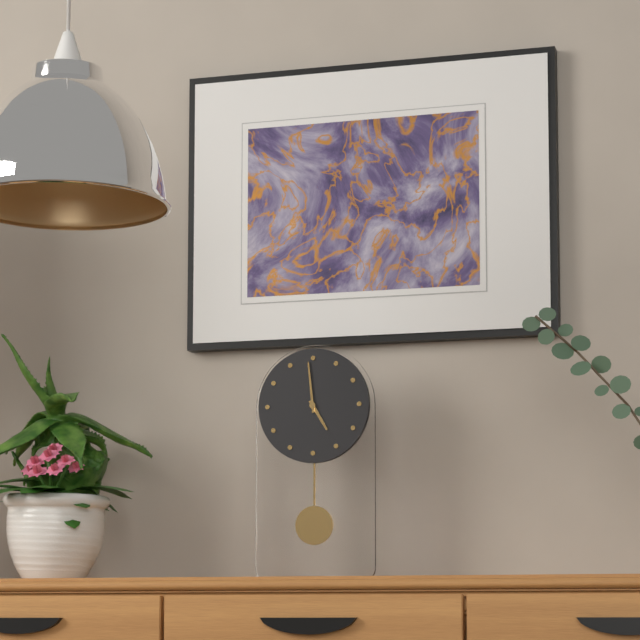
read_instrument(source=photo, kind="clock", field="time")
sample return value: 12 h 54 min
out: 4 h 59 min
